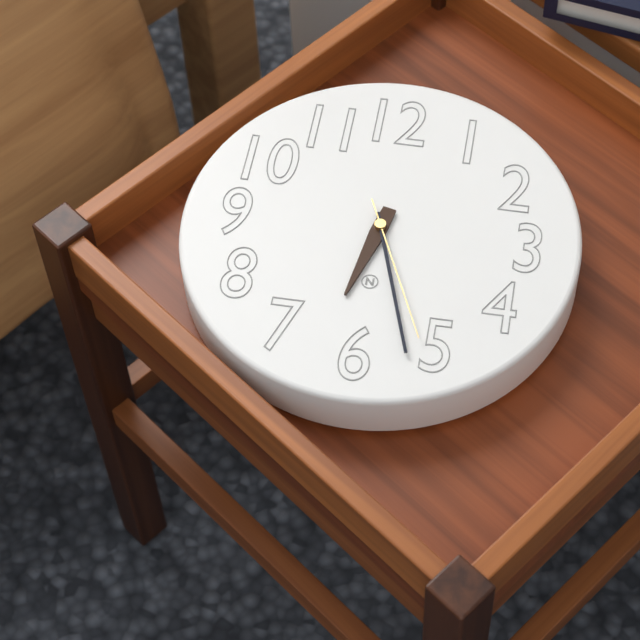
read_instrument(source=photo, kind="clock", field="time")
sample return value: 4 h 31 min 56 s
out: 6 h 27 min 26 s
